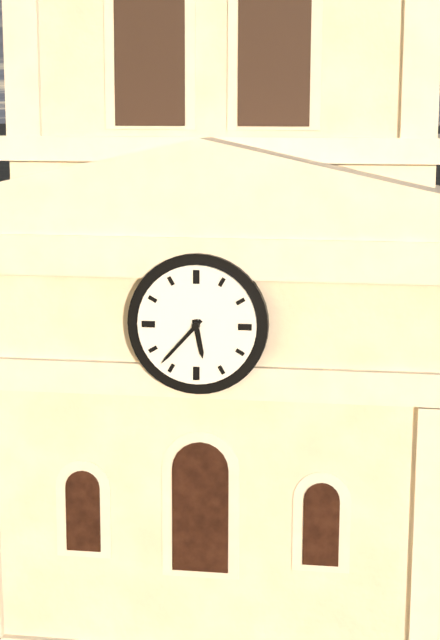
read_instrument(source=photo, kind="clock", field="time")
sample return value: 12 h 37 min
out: 5 h 37 min
